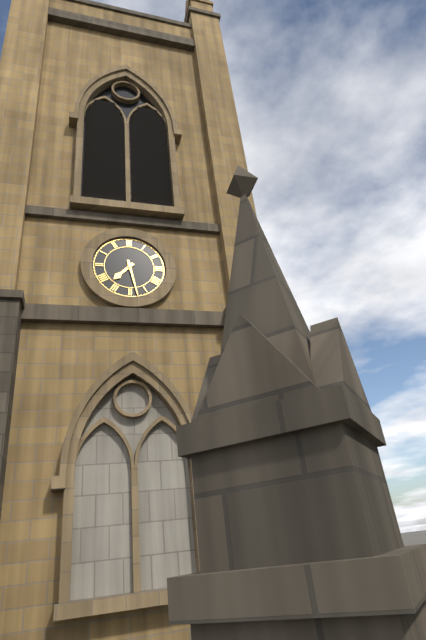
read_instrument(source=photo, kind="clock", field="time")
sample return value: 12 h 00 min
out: 7 h 28 min
